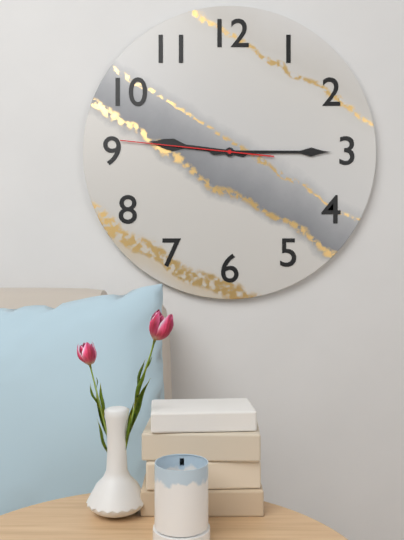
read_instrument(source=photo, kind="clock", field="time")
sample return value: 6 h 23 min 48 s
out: 9 h 15 min 46 s
